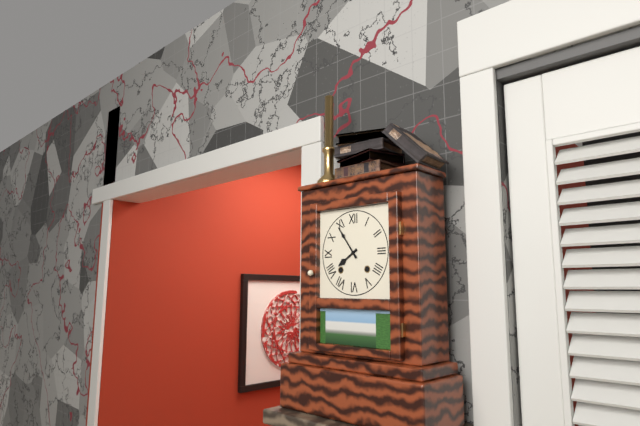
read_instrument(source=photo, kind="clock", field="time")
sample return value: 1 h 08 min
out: 7 h 54 min
